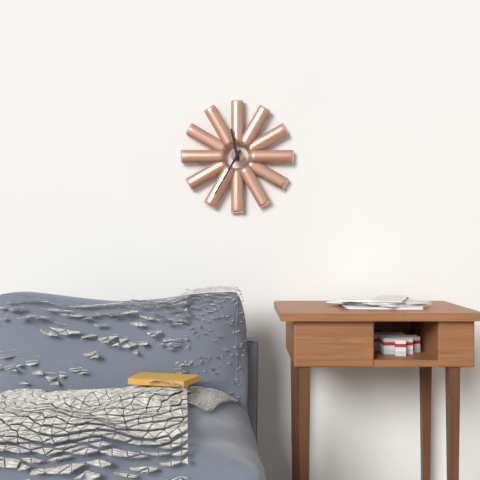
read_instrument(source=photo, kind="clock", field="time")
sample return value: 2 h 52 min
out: 11 h 35 min
